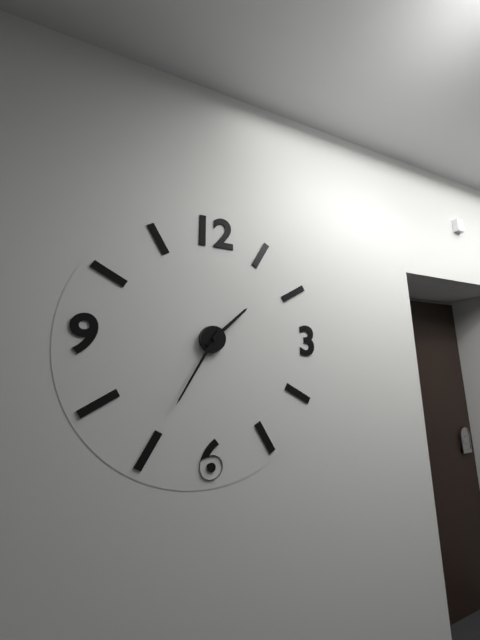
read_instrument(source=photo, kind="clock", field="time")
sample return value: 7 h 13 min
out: 1 h 35 min
